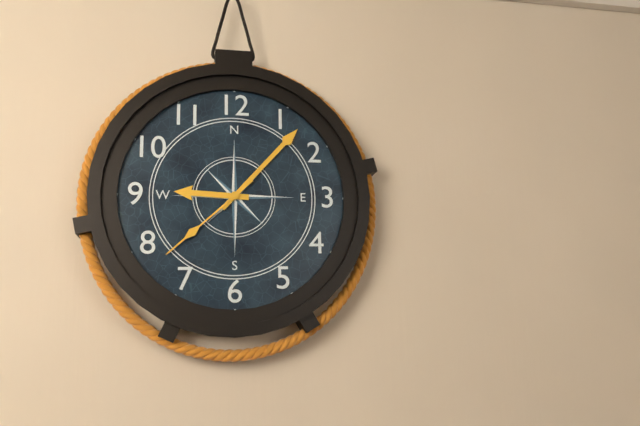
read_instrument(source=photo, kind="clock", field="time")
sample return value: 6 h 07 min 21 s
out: 9 h 07 min 38 s
